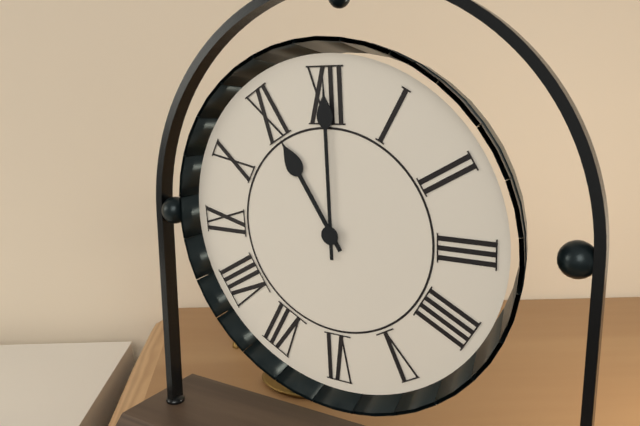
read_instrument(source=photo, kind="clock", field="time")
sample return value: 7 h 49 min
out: 11 h 00 min
